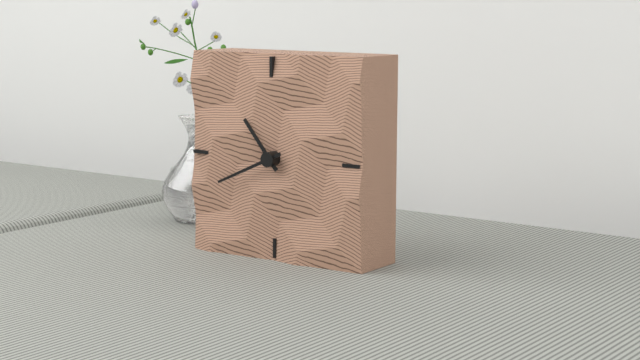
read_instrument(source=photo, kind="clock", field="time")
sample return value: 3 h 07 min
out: 10 h 41 min
